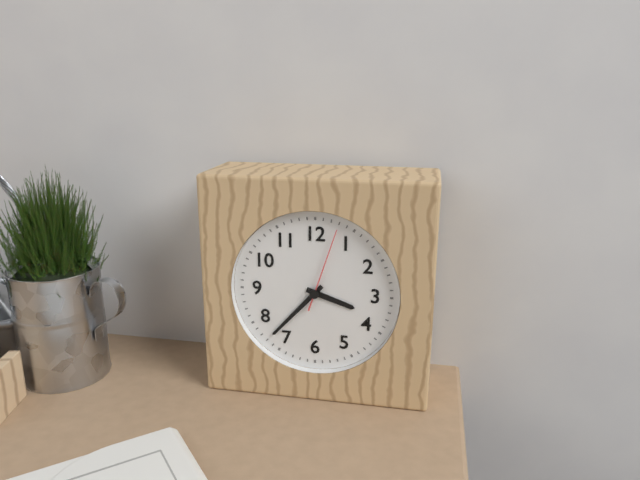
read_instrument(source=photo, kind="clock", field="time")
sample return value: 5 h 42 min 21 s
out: 3 h 37 min 03 s
